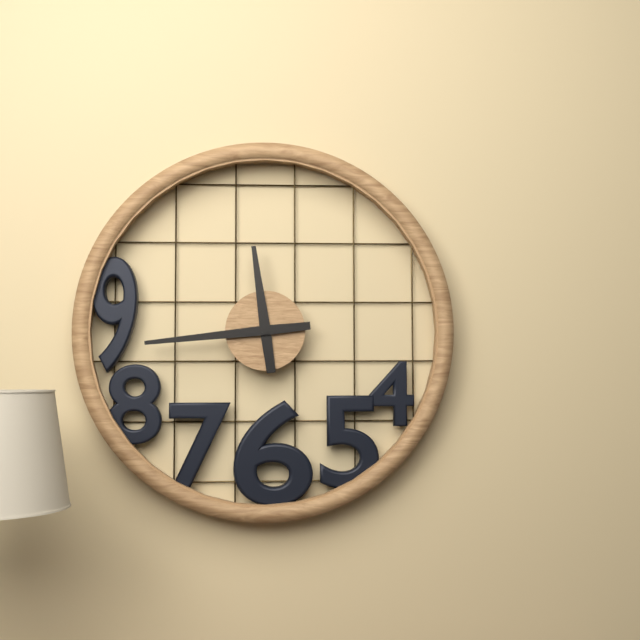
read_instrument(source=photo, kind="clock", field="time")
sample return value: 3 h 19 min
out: 11 h 44 min
